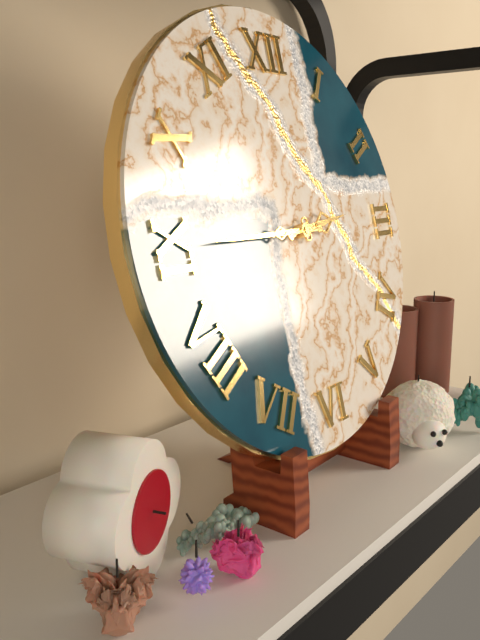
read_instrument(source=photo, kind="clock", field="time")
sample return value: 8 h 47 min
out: 2 h 45 min
